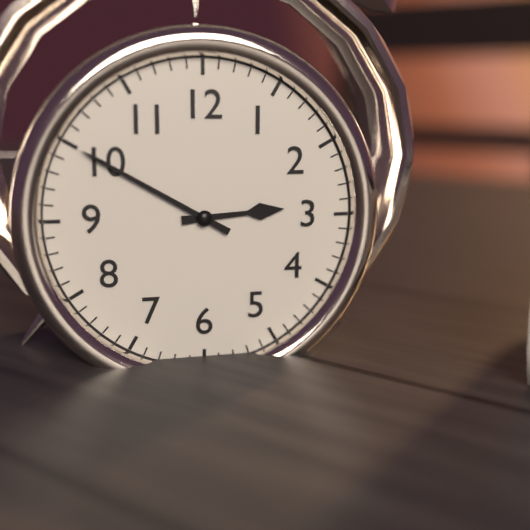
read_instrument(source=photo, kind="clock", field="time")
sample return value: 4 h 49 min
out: 2 h 50 min
